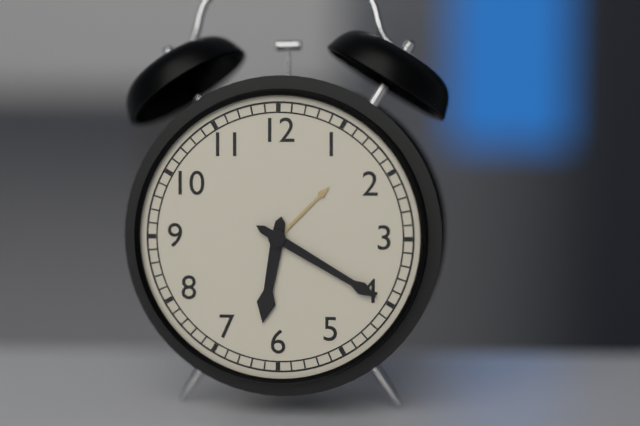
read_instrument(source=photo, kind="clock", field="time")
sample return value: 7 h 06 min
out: 6 h 20 min
